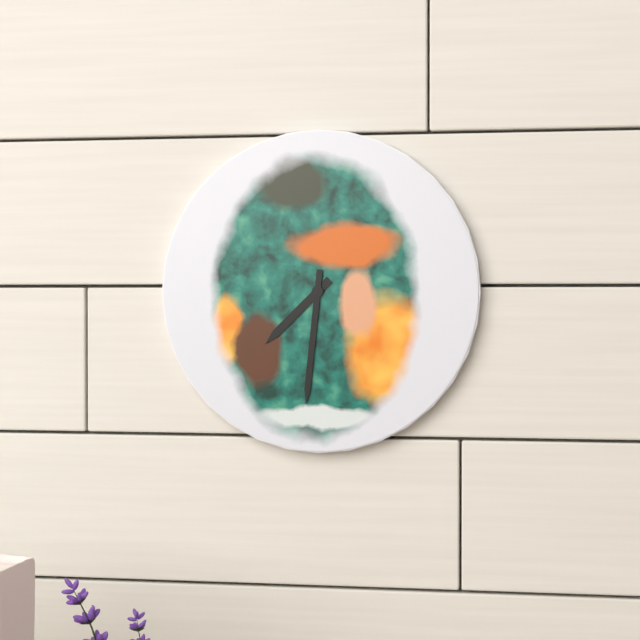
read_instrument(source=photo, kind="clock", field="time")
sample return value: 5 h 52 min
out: 7 h 31 min
